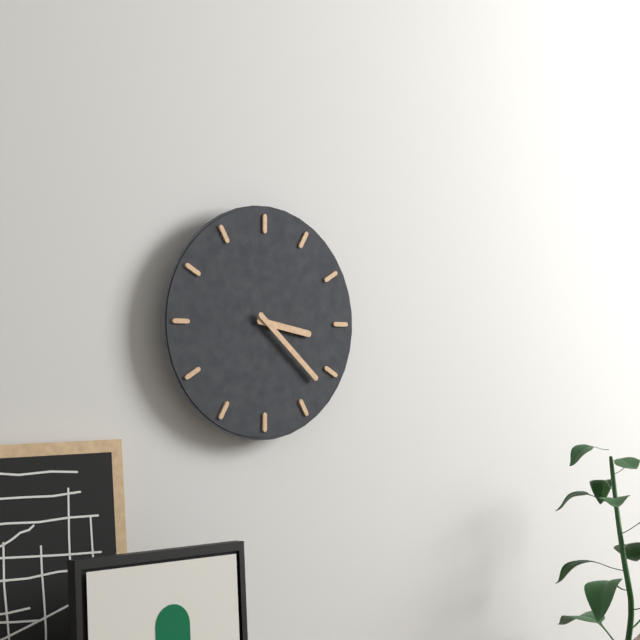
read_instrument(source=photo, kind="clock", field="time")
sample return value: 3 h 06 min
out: 3 h 22 min
